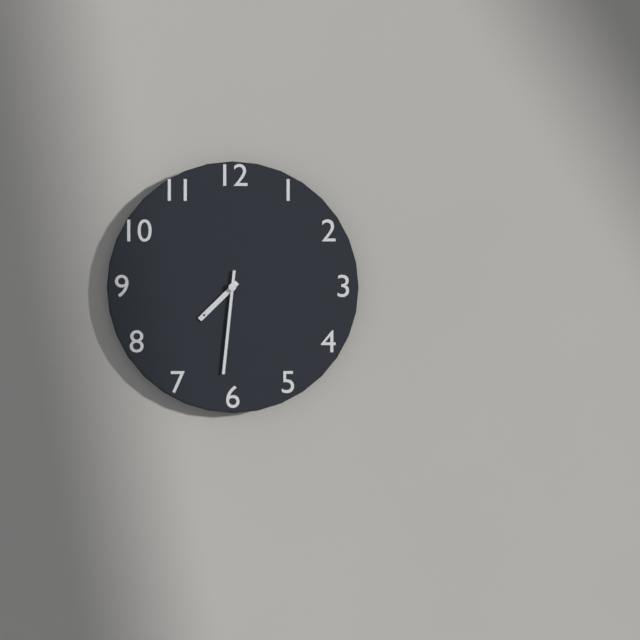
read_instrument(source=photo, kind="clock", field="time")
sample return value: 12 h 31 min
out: 7 h 31 min
